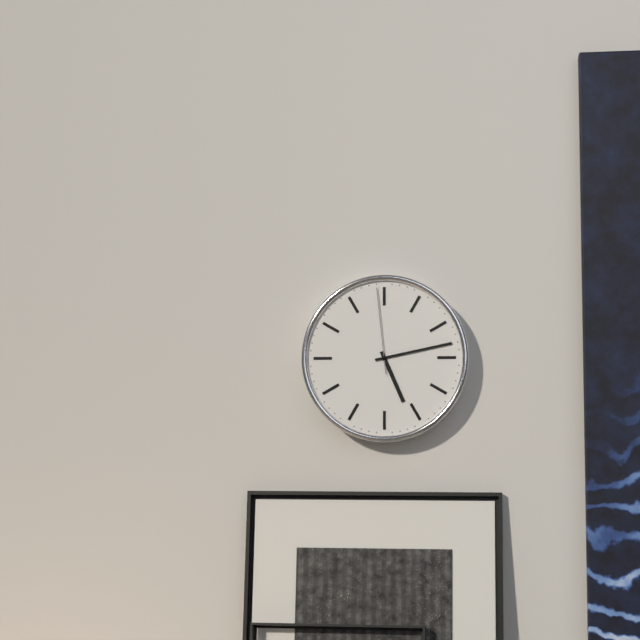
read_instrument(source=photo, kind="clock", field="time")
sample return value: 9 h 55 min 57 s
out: 5 h 13 min 59 s
